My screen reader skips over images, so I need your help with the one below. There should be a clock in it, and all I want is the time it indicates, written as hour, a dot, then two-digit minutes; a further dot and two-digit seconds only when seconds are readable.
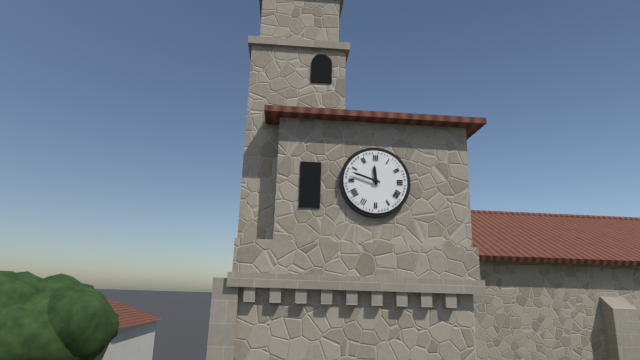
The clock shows 11.48
